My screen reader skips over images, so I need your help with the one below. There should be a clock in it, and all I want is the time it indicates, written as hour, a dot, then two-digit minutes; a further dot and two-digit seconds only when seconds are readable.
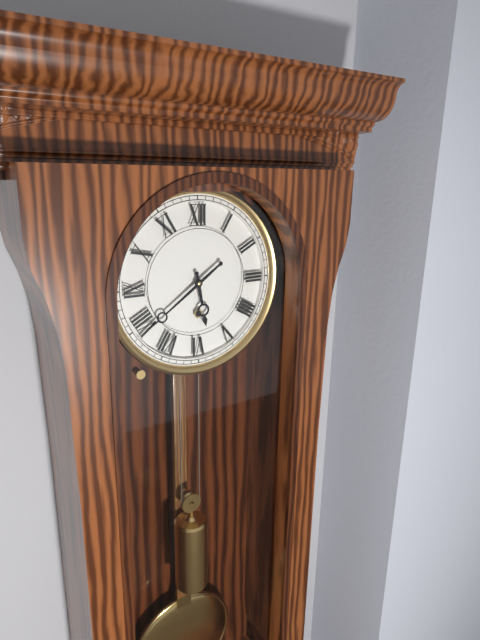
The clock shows 5.39
